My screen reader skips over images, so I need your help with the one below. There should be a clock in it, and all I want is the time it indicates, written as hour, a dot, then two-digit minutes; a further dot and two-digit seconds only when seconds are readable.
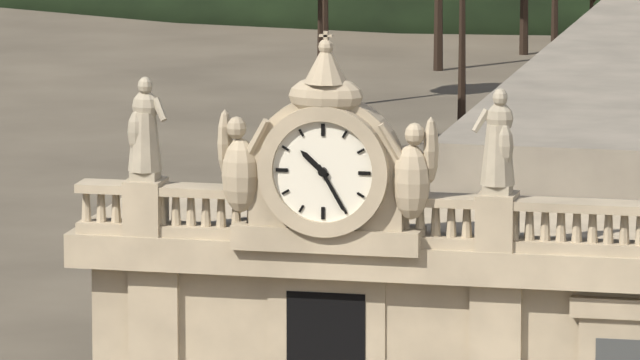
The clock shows 10.25
